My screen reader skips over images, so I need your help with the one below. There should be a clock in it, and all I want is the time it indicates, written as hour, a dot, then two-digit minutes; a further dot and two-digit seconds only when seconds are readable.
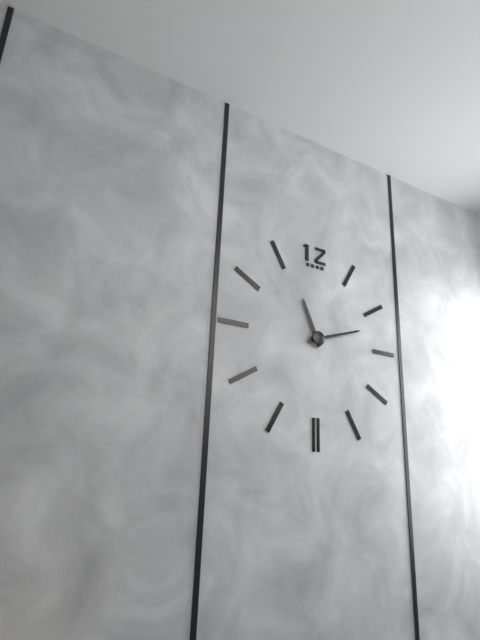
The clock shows 11.12
